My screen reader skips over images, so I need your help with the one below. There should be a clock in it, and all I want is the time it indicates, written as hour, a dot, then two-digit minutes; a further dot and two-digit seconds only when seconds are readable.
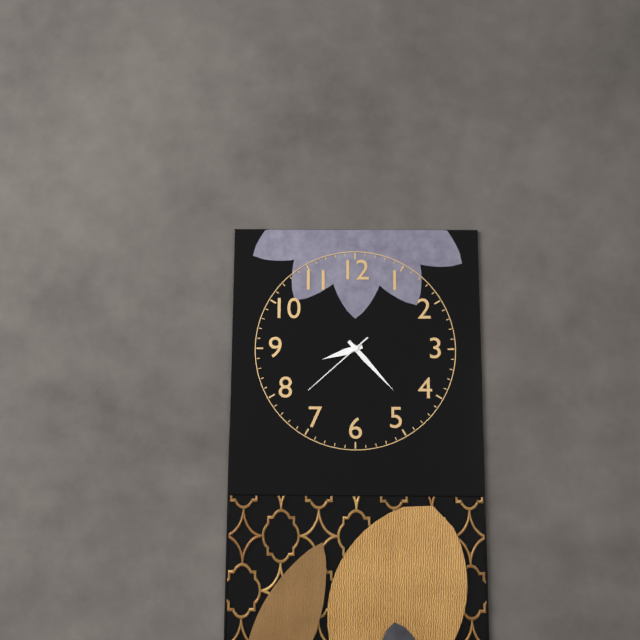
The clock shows 8.23.38
